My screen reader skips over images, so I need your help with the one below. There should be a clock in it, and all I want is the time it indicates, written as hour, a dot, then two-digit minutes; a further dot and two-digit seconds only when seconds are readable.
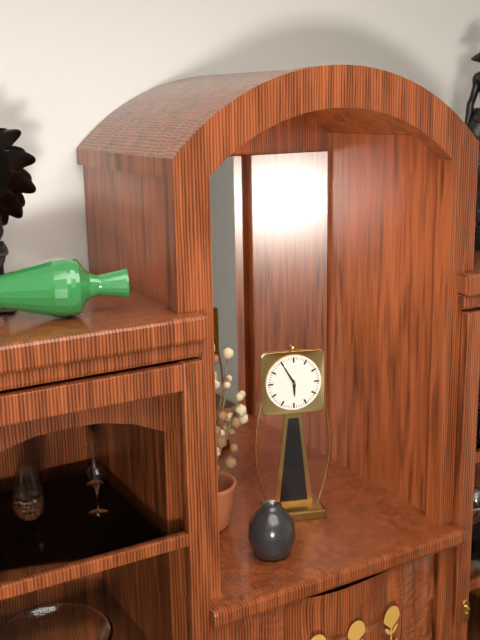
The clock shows 5.55
